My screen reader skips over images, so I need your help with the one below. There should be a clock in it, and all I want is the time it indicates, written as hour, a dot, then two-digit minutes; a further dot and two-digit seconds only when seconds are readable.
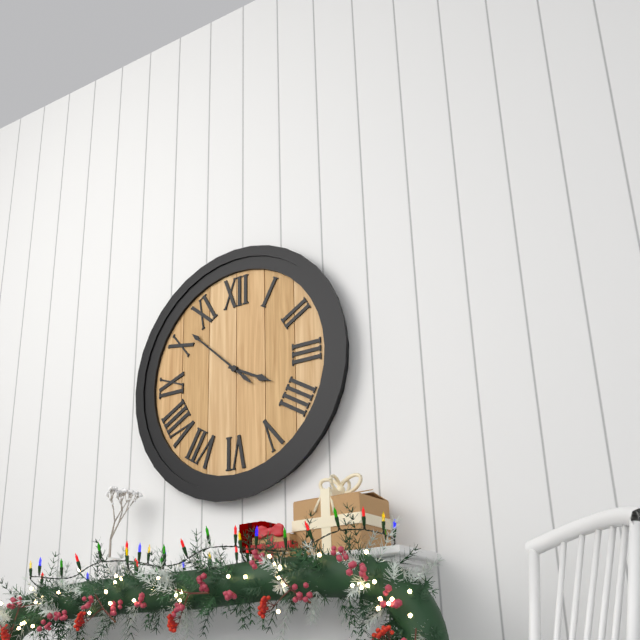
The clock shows 3.52
